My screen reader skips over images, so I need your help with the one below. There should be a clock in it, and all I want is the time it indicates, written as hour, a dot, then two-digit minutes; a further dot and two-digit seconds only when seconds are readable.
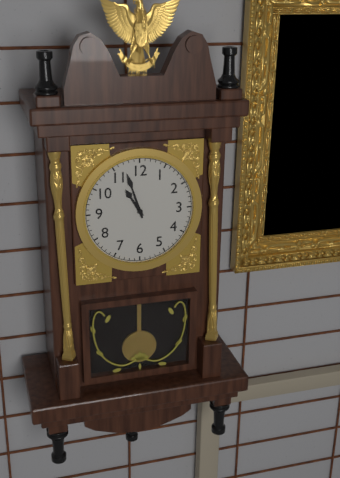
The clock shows 10.57
